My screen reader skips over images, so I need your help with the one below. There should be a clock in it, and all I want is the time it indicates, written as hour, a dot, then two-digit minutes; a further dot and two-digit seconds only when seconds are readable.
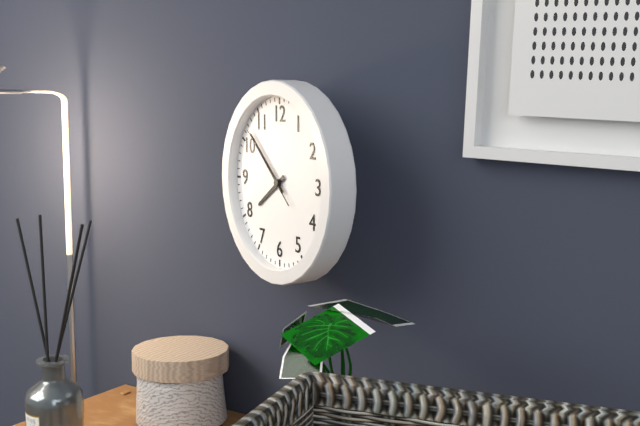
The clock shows 7.52.52
